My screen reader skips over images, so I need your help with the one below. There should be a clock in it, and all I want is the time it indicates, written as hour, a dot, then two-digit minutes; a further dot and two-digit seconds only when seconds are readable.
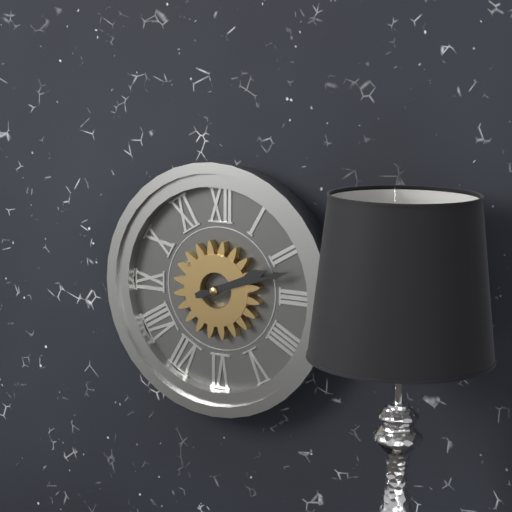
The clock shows 2.12
